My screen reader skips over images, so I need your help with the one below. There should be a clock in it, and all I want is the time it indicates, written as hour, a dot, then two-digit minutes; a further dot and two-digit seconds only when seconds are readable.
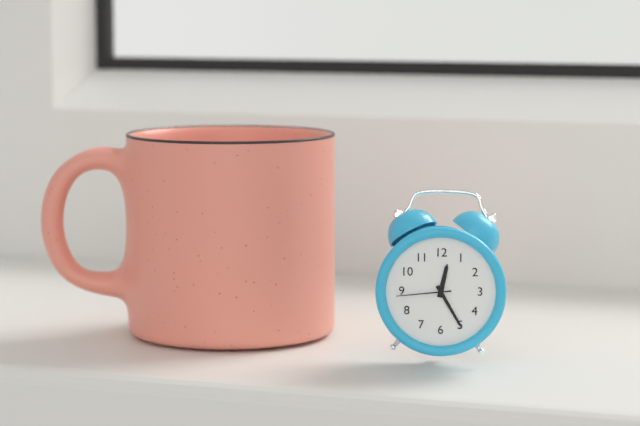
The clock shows 12.25.44
